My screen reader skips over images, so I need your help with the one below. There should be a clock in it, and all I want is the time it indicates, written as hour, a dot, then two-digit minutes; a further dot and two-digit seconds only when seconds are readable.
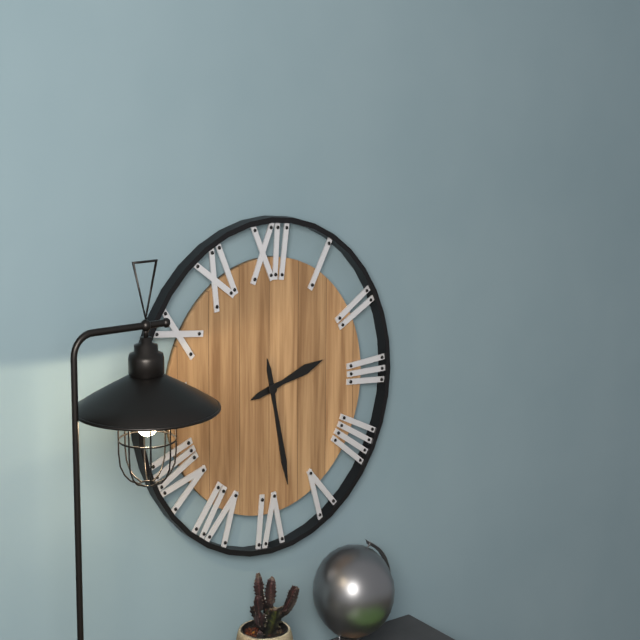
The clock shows 2.28
